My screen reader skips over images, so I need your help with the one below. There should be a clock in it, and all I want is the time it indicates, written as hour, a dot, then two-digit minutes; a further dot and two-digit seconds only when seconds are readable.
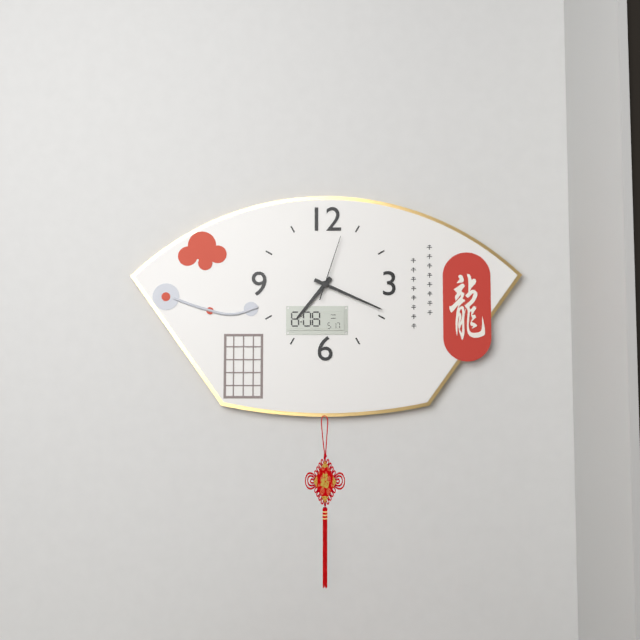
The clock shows 7.19.03
